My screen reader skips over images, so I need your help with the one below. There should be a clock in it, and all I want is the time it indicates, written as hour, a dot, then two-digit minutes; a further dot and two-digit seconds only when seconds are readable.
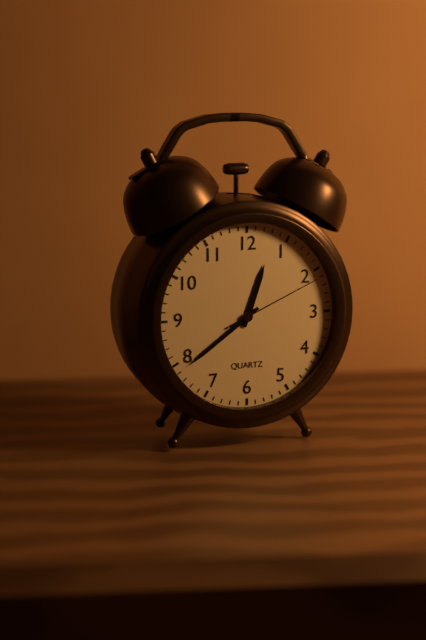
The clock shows 12.39.11
